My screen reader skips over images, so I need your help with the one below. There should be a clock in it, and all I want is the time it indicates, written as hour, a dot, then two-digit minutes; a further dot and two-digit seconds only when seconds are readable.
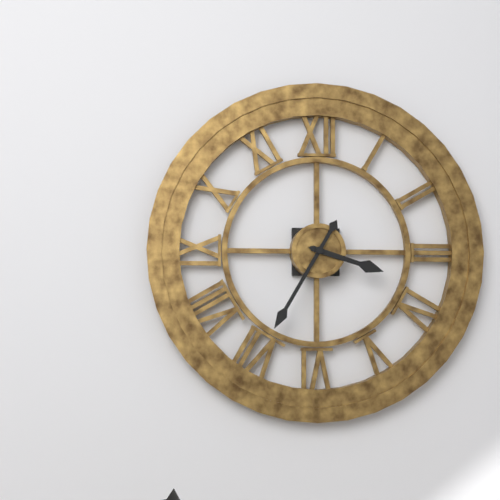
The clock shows 3.35
